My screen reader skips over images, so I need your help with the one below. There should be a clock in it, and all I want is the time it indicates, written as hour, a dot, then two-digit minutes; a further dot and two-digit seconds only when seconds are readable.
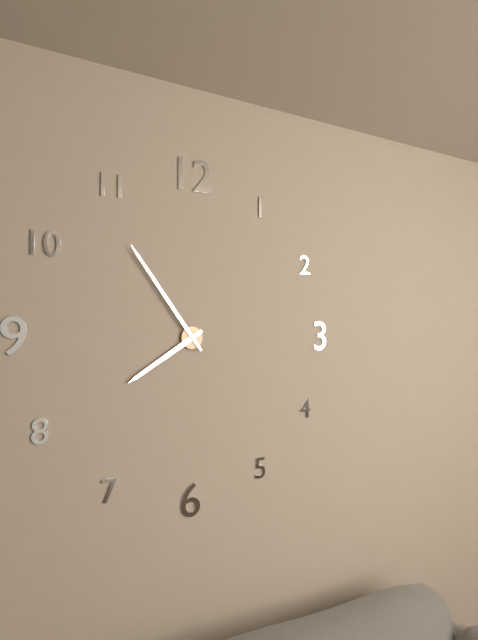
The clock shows 7.54
